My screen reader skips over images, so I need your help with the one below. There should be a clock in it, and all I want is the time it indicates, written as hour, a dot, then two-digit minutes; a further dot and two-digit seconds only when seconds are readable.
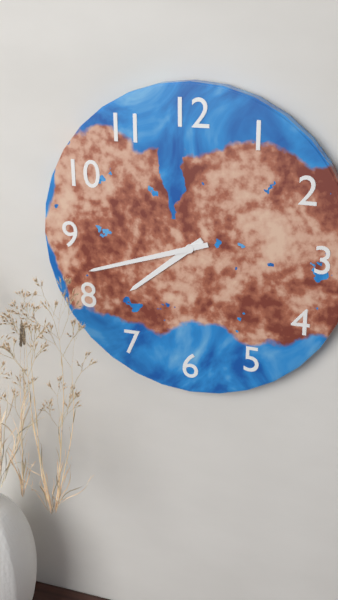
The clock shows 7.42
